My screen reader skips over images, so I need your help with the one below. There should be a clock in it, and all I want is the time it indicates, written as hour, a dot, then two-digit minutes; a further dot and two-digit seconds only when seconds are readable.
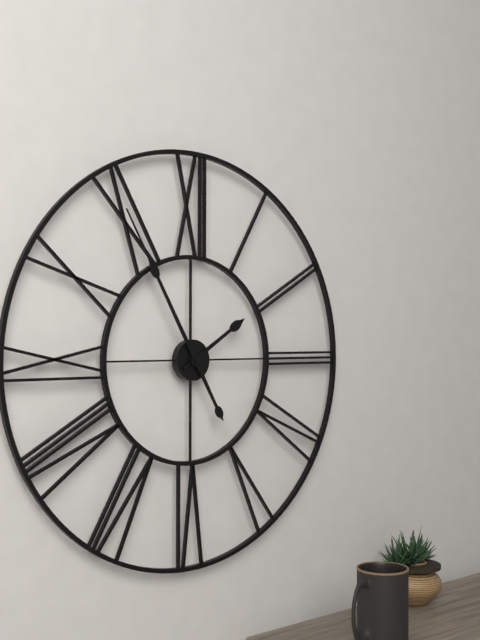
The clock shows 1.55
